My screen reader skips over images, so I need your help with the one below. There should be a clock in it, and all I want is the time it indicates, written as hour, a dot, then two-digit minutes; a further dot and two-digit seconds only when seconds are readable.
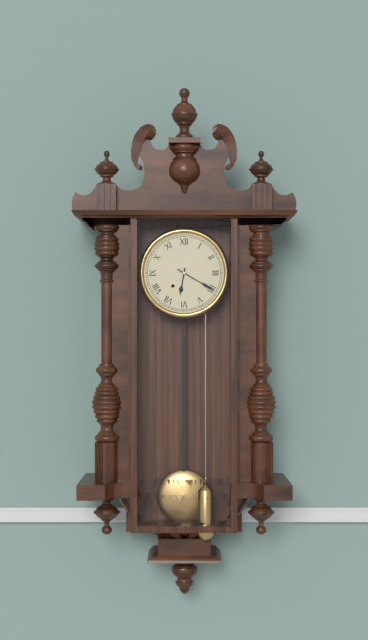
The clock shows 6.20
